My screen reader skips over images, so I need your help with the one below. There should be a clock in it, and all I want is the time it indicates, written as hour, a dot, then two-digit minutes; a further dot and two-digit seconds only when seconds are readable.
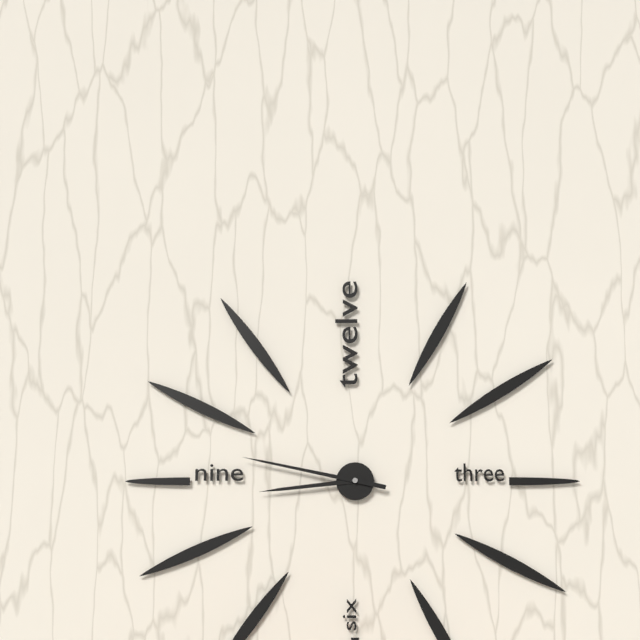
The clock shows 8.47
